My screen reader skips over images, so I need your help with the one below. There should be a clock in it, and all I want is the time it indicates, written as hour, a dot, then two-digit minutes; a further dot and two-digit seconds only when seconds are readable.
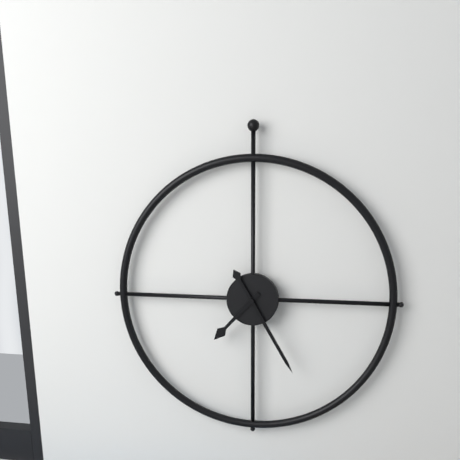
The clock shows 7.25
